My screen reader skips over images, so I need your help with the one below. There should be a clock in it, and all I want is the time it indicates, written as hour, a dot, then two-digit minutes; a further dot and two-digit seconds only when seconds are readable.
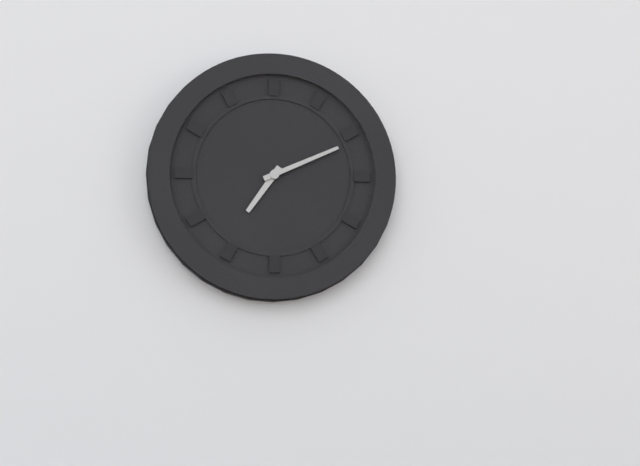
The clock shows 7.11
